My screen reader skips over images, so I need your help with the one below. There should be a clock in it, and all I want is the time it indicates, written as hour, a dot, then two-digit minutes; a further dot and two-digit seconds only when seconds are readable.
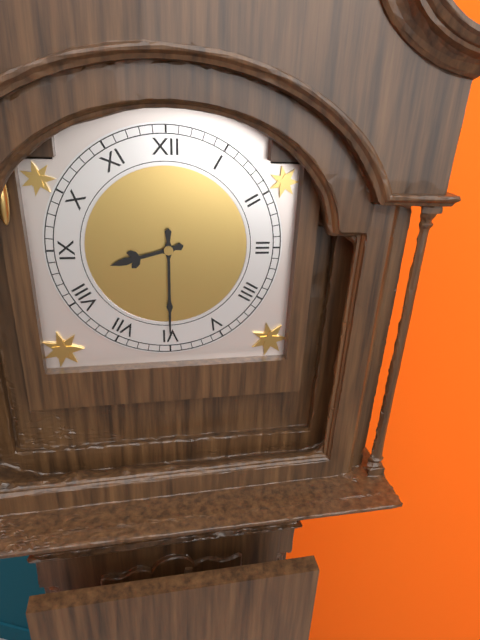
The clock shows 8.30
